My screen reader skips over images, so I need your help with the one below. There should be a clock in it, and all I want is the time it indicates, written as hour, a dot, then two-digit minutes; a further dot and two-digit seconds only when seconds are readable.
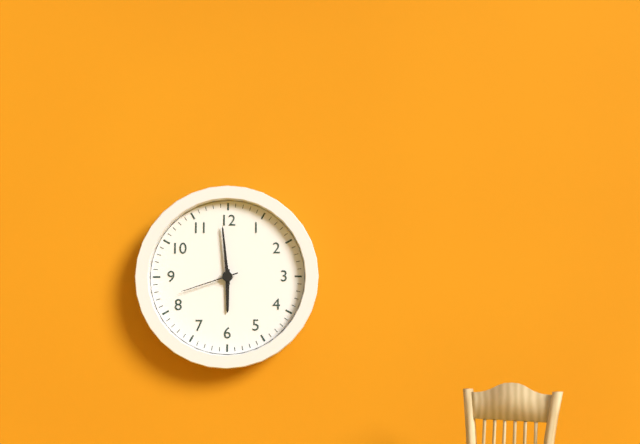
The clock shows 5.59.42
